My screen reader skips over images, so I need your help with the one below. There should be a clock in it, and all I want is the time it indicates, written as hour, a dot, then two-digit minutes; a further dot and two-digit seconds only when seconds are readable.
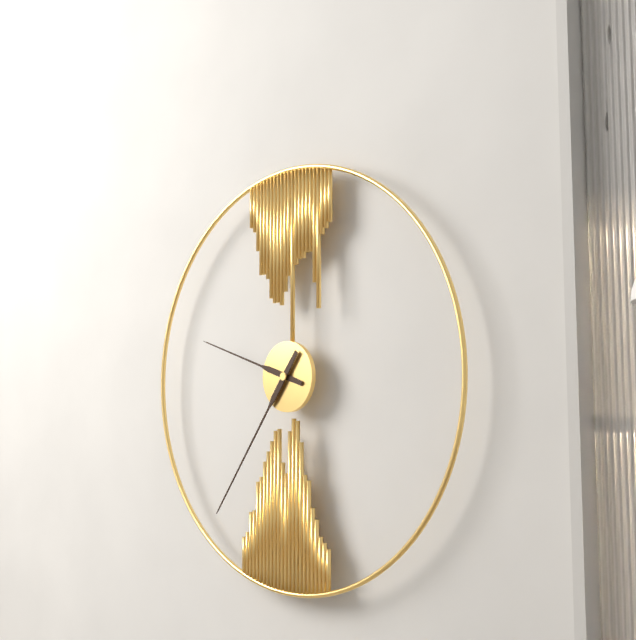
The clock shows 9.36
